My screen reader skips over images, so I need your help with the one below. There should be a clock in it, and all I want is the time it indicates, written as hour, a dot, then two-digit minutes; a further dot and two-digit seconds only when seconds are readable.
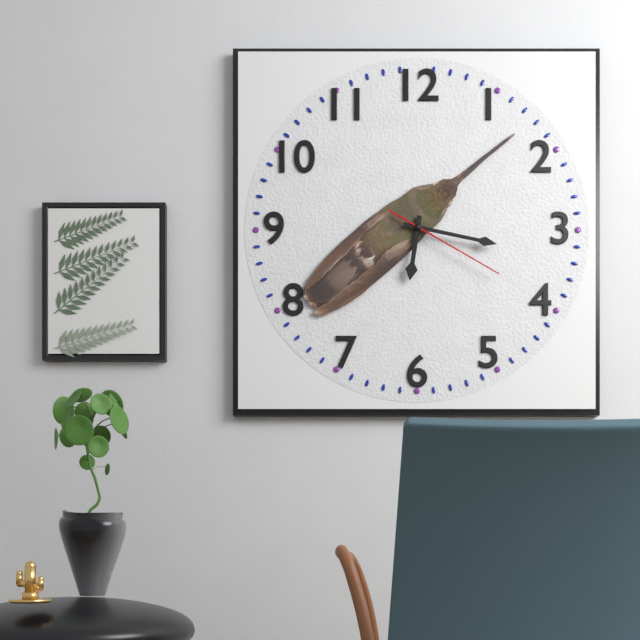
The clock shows 6.17.20
